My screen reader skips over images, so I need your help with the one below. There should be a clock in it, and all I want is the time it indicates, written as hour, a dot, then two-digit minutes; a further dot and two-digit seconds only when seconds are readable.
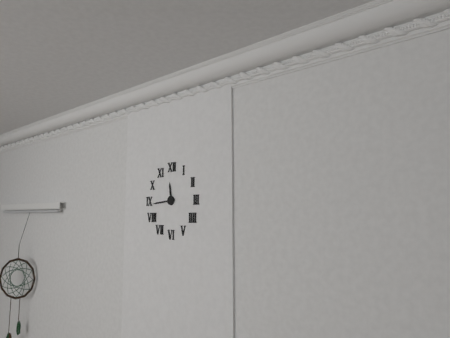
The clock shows 11.44
